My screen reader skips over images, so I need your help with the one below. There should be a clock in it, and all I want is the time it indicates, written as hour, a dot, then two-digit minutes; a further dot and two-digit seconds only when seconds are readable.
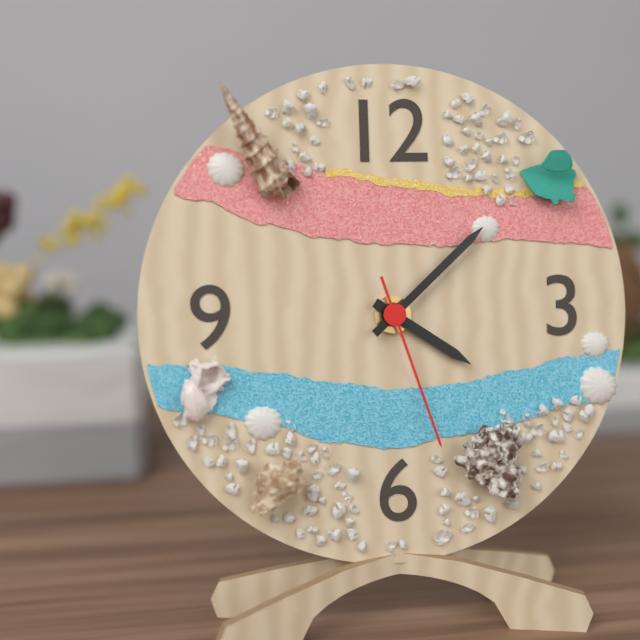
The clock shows 4.08.27
